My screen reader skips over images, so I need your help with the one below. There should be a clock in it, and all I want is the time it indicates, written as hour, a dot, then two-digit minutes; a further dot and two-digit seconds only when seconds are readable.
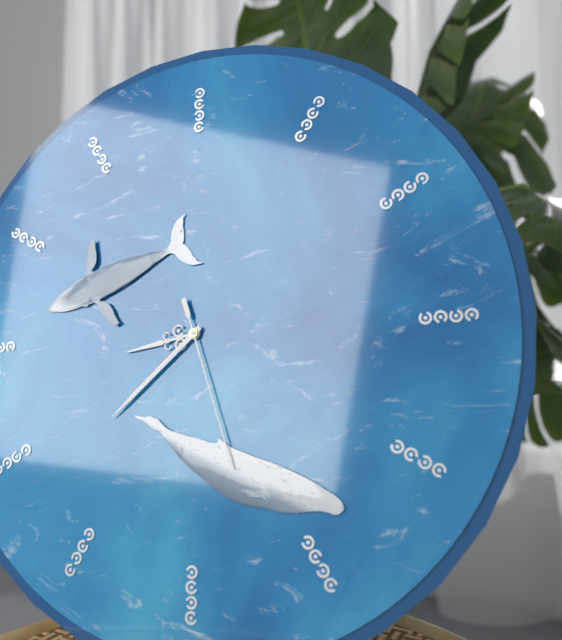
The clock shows 8.38.27
